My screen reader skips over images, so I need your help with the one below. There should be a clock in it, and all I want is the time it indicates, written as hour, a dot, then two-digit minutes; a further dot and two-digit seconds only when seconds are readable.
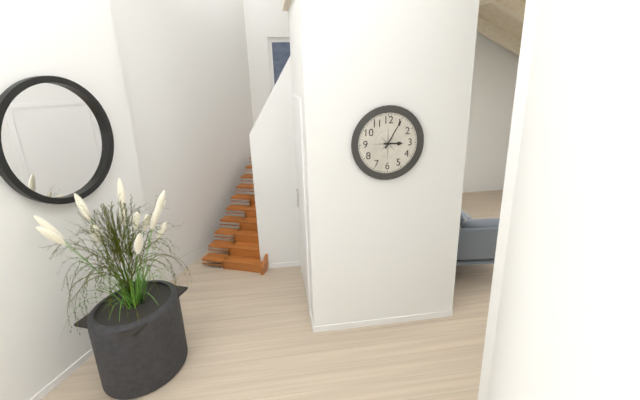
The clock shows 3.05
